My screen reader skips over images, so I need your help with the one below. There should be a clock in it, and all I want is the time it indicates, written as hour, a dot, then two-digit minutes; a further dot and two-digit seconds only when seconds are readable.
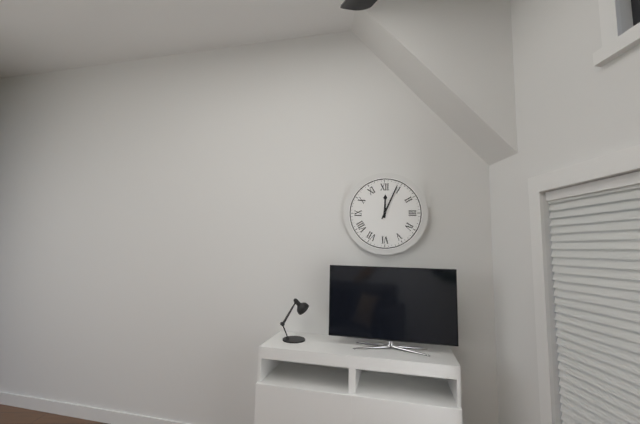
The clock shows 12.04
